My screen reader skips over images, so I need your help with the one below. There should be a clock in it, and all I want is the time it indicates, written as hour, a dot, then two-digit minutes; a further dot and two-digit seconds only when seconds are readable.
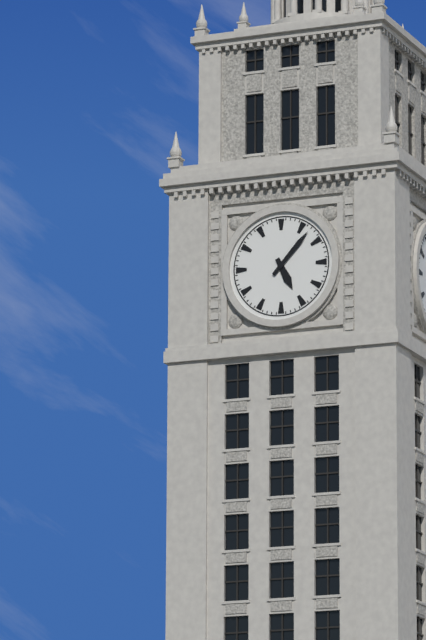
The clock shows 5.07
